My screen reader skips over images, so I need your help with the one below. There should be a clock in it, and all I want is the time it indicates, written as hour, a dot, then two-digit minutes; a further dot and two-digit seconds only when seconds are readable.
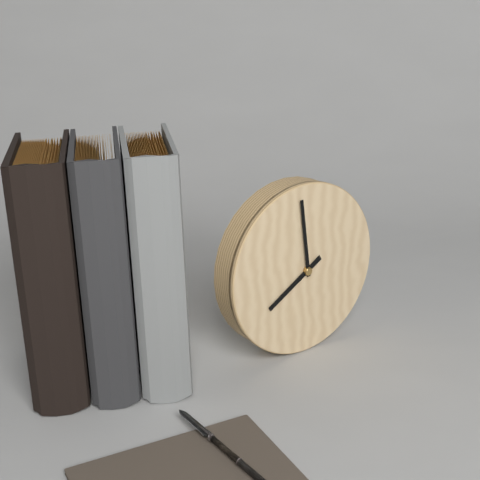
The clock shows 7.59
